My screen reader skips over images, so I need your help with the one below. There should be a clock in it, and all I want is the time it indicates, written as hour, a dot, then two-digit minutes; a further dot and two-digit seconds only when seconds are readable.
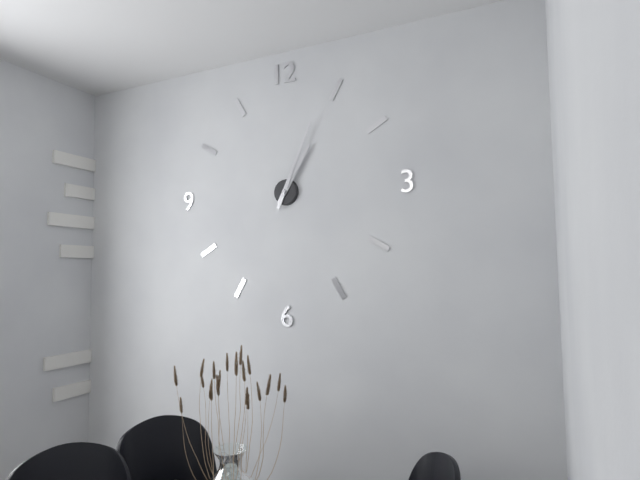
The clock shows 1.04
